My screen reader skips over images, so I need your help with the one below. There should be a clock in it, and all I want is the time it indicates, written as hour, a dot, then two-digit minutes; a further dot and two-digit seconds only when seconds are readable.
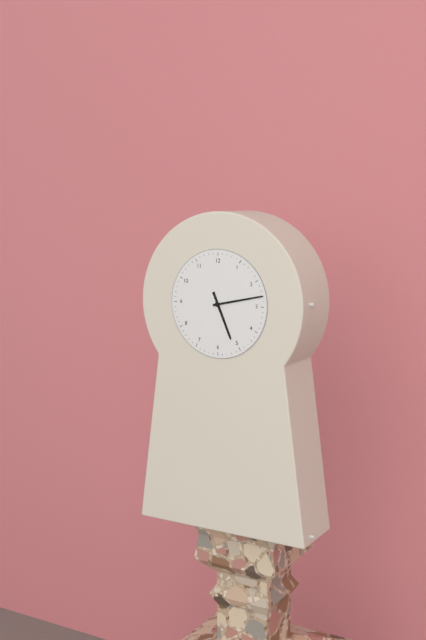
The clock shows 5.13
